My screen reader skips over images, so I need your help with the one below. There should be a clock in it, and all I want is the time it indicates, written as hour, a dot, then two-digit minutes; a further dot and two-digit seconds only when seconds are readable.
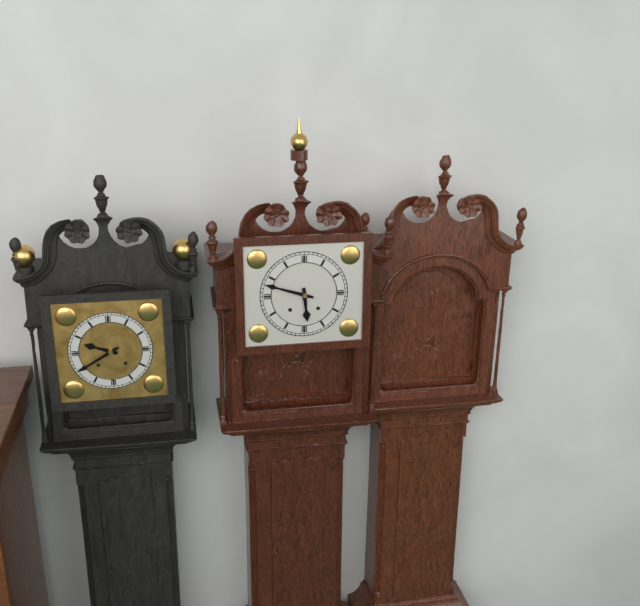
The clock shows 5.48
